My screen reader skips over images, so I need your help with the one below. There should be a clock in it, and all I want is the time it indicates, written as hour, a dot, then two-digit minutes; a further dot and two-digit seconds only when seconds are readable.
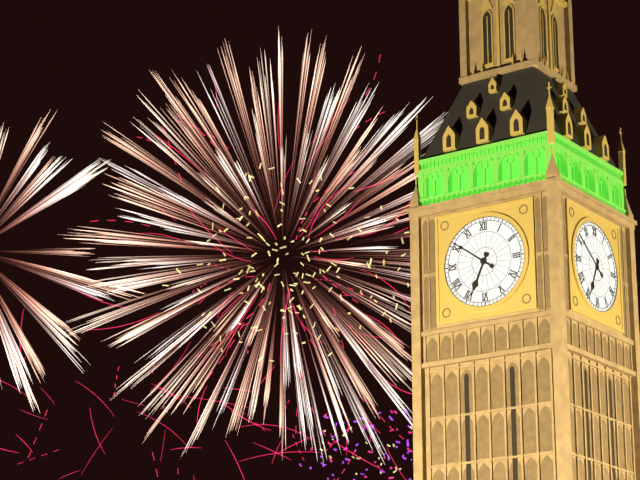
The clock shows 6.51
